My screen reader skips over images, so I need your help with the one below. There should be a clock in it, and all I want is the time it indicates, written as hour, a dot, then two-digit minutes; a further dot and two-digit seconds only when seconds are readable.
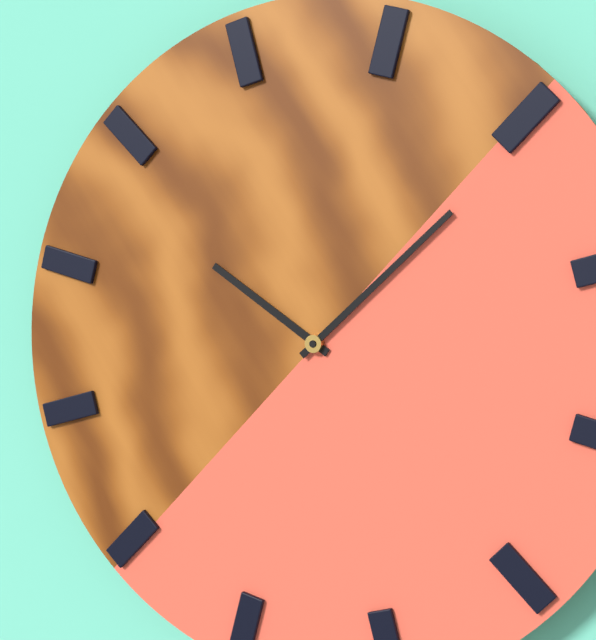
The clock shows 10.08
